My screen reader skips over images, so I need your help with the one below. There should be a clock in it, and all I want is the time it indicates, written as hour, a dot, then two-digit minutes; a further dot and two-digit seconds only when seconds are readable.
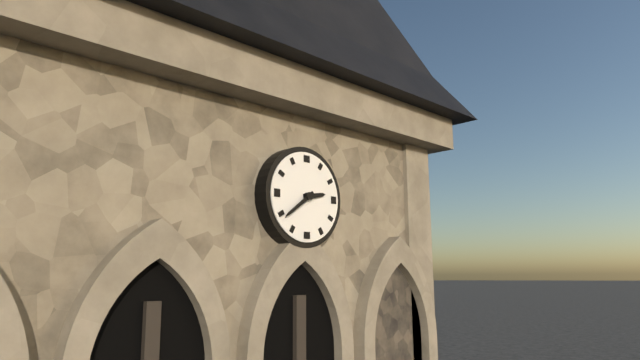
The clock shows 2.39
